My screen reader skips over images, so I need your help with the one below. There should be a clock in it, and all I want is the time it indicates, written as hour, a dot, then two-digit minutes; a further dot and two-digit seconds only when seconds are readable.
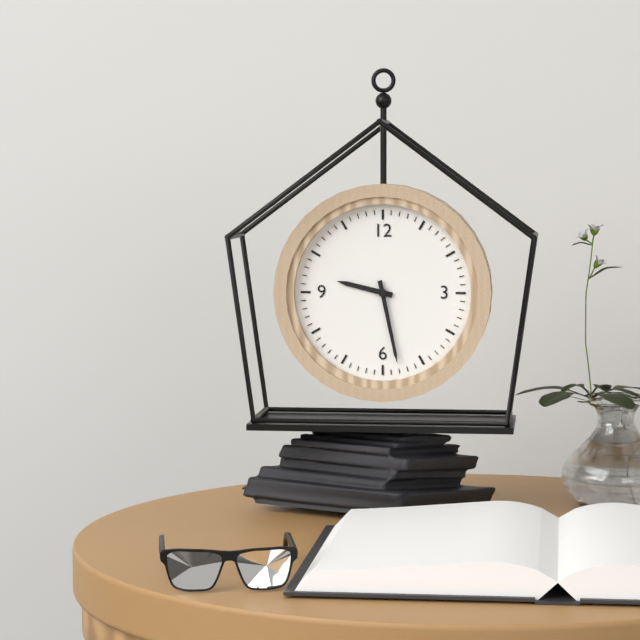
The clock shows 9.28
